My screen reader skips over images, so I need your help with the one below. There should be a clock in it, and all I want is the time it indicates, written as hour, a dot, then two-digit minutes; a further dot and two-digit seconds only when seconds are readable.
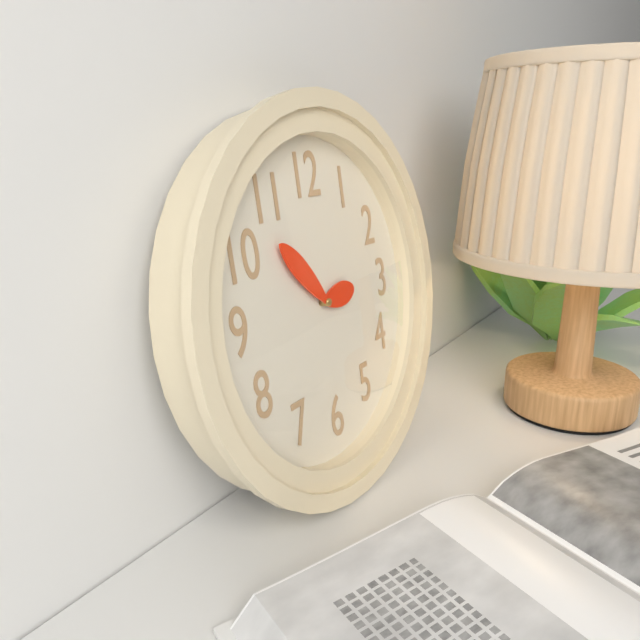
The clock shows 2.53
